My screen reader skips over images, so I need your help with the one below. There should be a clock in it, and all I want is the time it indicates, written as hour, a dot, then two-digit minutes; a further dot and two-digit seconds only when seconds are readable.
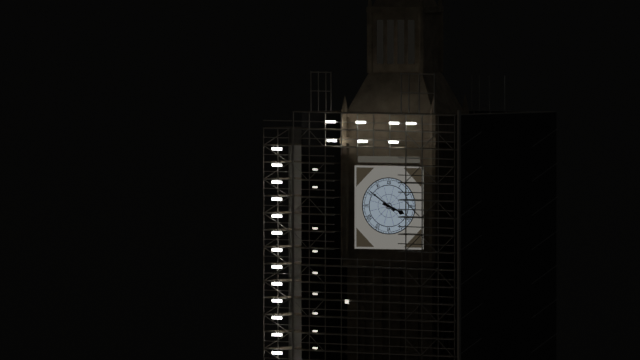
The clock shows 3.51
